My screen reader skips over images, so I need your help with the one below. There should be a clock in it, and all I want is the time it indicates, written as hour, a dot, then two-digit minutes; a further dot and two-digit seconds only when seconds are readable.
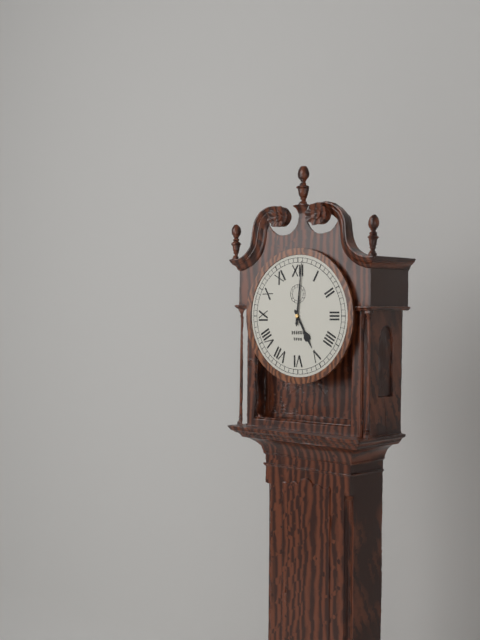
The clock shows 5.01
